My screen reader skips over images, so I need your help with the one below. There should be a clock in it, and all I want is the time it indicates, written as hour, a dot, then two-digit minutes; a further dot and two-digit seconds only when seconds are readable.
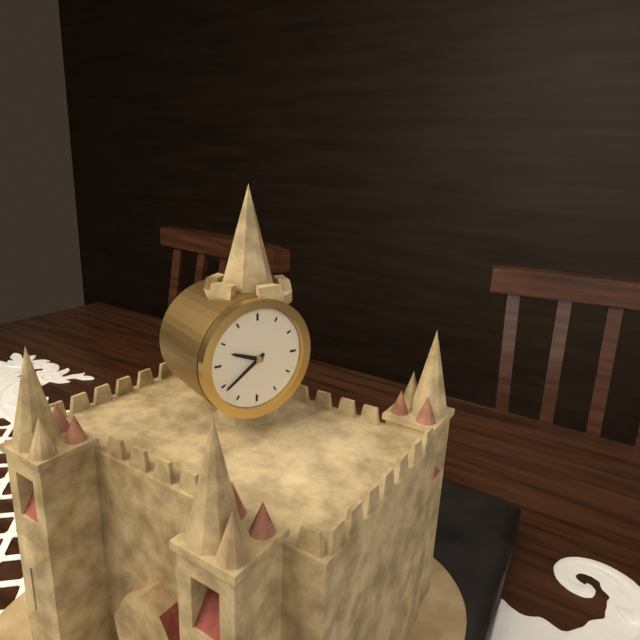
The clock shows 9.39
